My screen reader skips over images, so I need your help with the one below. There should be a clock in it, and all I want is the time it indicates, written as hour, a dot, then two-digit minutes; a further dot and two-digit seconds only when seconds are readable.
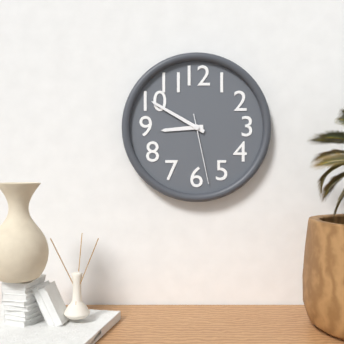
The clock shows 8.50.28
